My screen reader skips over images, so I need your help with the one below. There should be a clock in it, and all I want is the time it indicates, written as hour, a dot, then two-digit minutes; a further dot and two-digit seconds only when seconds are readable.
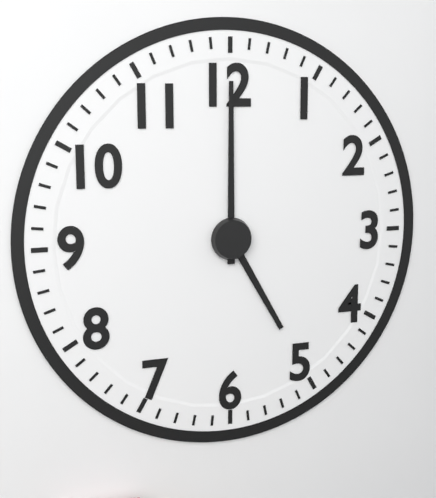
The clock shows 5.00
